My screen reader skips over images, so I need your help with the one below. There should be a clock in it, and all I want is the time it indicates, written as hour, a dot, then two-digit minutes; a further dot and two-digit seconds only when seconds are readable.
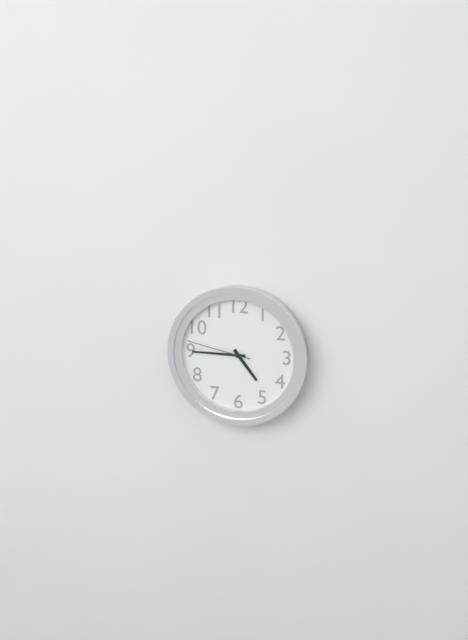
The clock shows 4.45.47
